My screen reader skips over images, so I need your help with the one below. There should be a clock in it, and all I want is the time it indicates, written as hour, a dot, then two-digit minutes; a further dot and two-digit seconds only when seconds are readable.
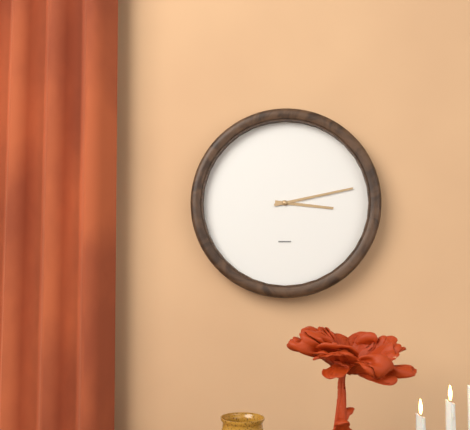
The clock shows 3.13
